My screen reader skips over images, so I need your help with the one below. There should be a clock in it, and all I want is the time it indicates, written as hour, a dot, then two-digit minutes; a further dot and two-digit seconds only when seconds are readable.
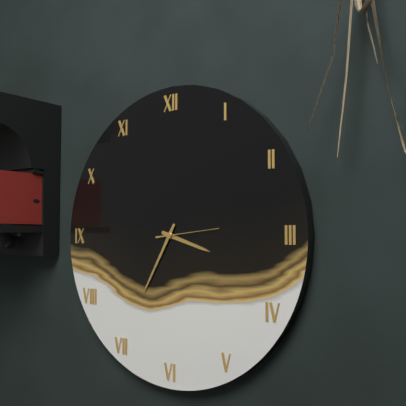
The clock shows 3.35.14
